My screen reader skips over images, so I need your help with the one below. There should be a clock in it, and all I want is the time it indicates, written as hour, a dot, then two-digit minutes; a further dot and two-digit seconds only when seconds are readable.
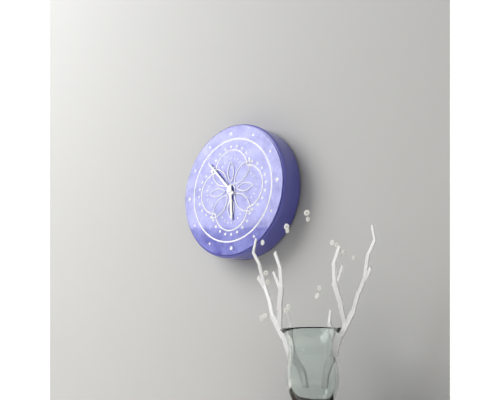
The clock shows 5.53
